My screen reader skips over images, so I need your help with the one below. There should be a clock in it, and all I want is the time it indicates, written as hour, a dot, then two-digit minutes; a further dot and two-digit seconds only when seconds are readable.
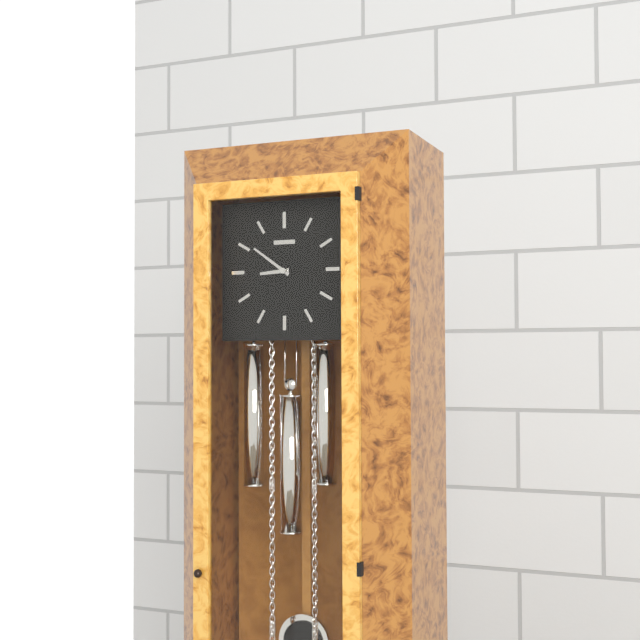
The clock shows 8.51
